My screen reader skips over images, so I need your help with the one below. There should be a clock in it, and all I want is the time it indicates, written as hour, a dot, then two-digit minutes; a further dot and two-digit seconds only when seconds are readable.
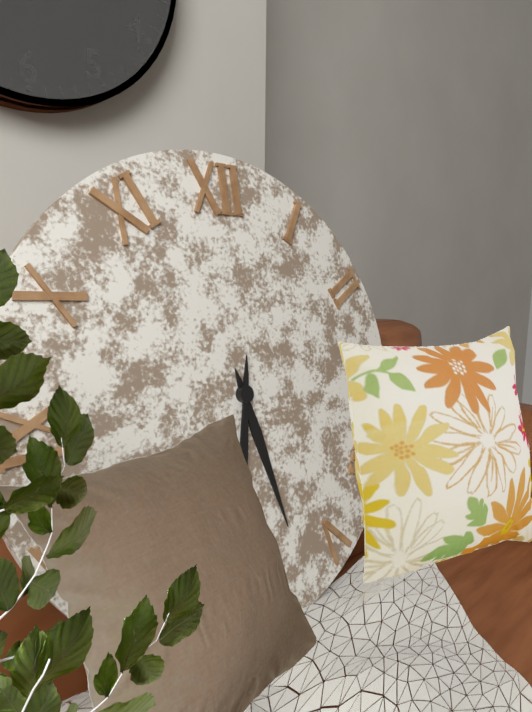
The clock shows 5.32
